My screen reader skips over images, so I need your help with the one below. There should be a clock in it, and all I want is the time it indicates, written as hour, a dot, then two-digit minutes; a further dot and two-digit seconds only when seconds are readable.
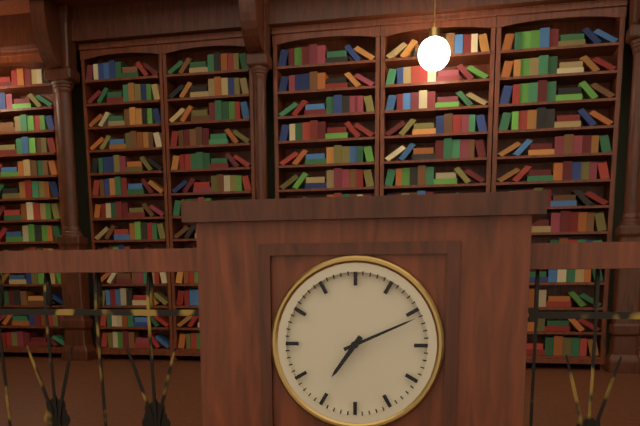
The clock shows 7.11
